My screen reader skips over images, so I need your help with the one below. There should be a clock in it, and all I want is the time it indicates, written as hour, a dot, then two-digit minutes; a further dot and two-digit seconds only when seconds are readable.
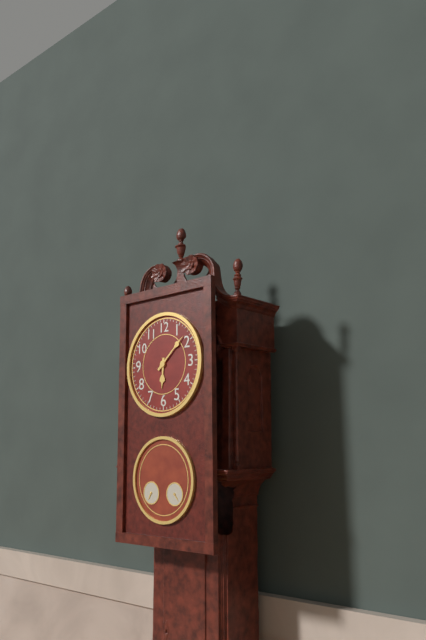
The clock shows 6.08
